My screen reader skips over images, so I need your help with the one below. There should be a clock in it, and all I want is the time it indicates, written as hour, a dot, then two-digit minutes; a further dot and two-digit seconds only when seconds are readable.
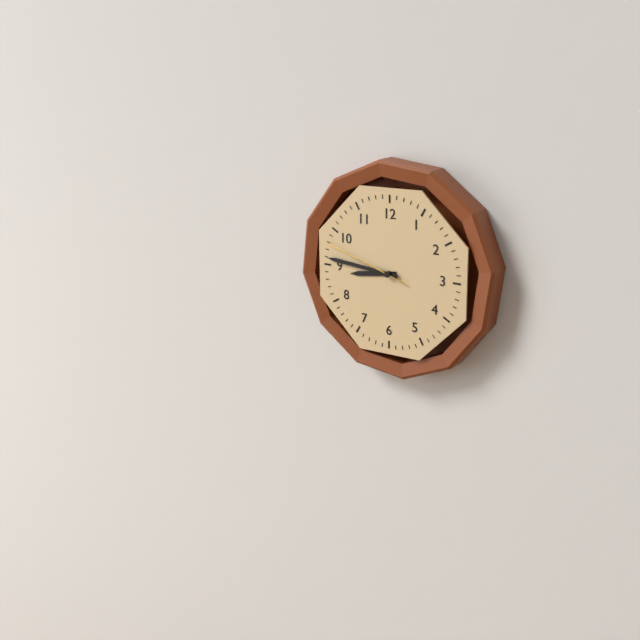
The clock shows 8.46.48
